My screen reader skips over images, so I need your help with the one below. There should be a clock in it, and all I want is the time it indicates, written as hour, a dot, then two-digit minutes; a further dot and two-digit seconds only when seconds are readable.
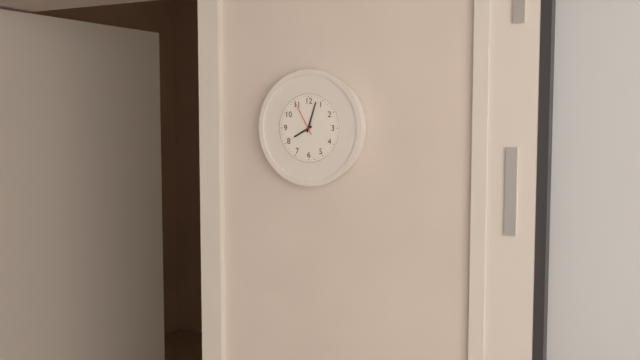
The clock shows 8.03
